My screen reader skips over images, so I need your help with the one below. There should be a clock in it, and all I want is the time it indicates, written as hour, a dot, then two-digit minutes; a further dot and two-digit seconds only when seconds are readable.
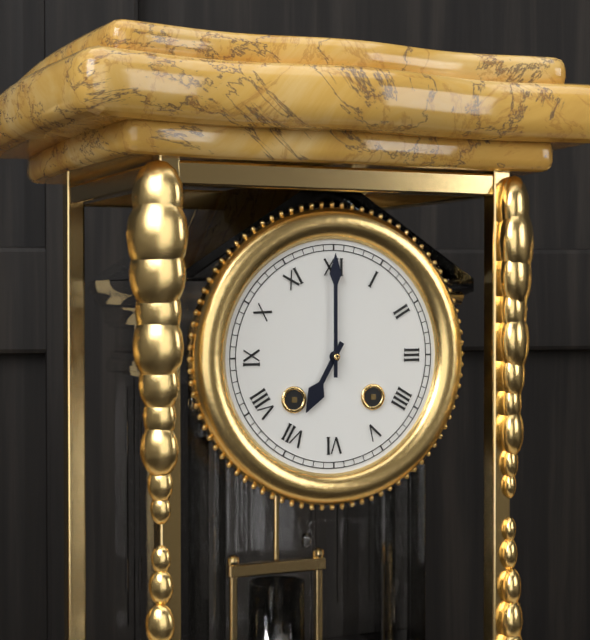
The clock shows 7.00
